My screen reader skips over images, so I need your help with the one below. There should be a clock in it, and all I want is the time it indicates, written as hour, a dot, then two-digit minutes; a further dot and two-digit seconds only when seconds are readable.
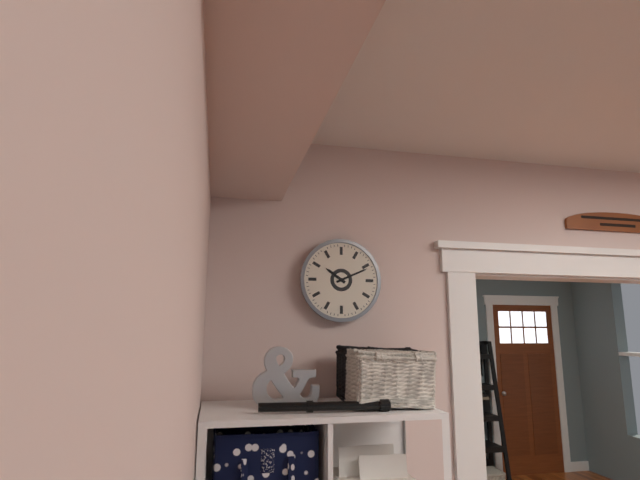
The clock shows 10.11
